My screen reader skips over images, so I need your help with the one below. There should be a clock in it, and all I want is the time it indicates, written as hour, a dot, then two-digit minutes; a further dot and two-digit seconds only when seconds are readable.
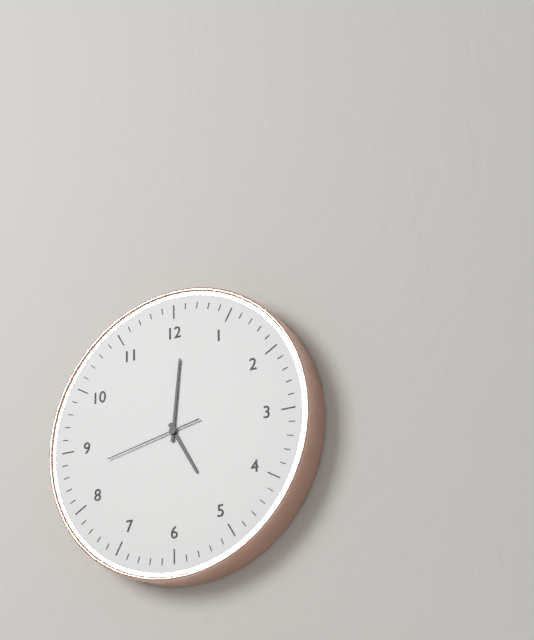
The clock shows 5.01.43
